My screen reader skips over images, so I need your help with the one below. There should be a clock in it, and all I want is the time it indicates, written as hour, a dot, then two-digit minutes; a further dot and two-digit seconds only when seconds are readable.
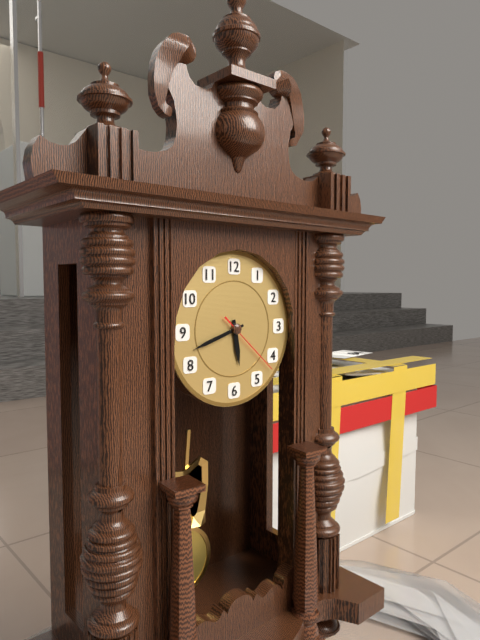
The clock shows 5.42.22
